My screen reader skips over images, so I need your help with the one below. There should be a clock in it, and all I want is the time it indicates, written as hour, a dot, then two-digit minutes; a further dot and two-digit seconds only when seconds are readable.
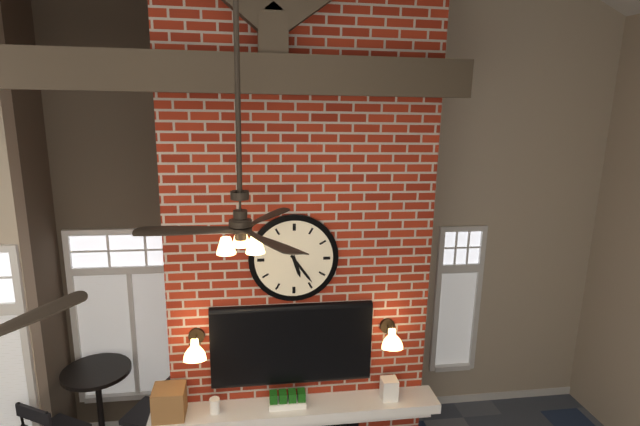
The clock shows 5.24
